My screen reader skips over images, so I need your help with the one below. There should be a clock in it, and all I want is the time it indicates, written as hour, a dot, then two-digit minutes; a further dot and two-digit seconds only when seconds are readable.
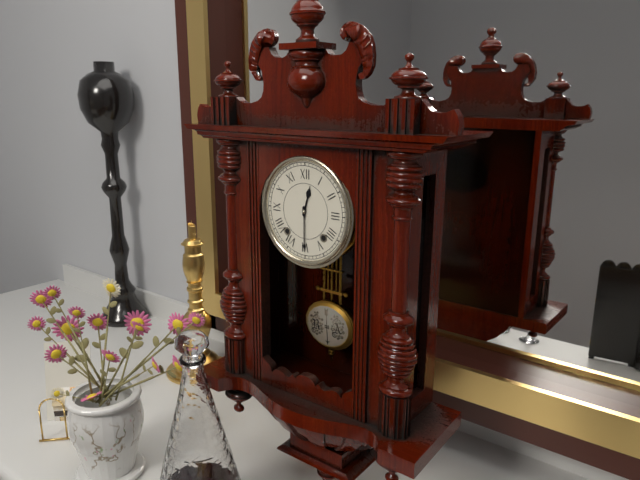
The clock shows 12.30
